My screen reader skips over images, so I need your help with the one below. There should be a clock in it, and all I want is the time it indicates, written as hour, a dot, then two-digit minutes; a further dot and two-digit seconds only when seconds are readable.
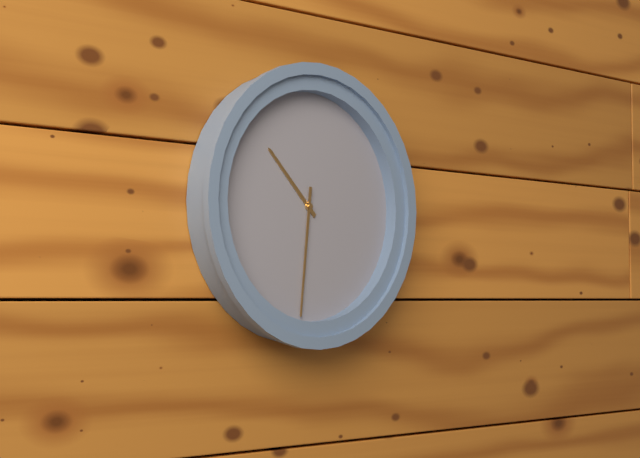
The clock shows 10.31
